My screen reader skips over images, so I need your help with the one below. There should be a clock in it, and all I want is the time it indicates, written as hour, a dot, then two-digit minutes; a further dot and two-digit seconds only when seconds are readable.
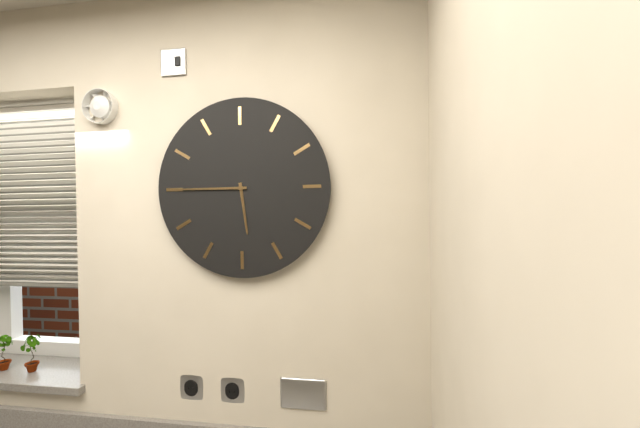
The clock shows 5.45
